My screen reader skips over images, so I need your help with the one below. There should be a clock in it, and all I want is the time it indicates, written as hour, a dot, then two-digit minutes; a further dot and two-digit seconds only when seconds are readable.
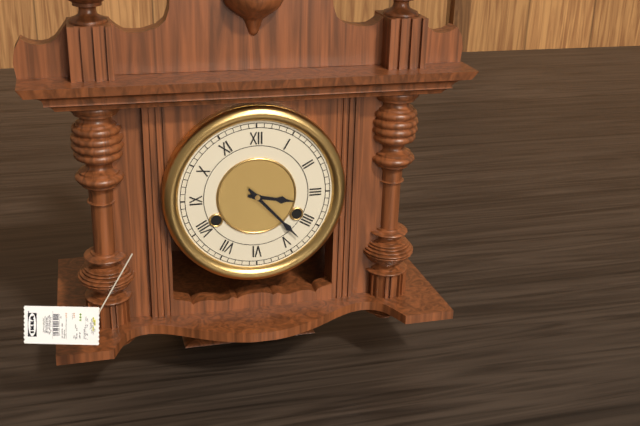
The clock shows 3.23
